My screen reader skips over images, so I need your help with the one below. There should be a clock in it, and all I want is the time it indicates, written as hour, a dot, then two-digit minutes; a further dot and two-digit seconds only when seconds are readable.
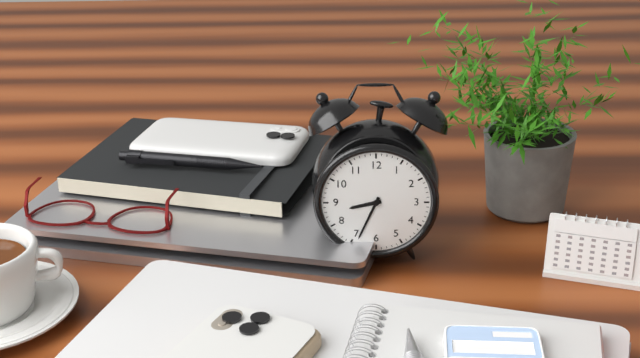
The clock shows 8.34
